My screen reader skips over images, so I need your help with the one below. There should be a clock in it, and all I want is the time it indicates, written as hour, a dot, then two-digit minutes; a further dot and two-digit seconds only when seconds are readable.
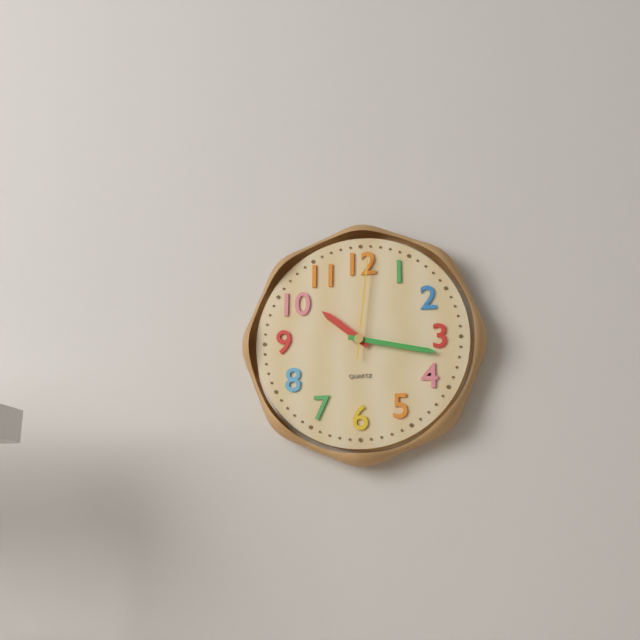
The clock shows 10.17.01
